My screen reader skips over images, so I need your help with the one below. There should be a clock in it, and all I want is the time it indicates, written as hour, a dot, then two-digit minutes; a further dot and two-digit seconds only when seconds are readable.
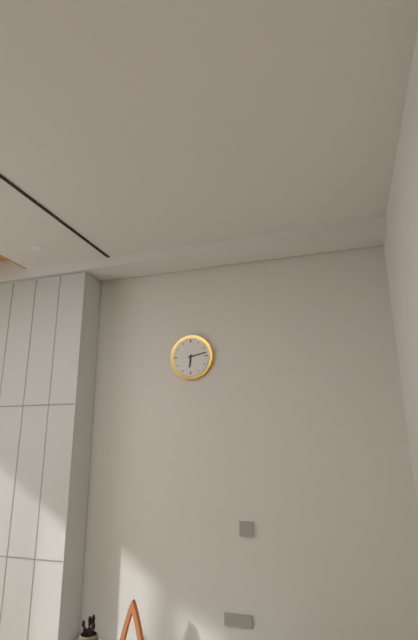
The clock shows 6.13
